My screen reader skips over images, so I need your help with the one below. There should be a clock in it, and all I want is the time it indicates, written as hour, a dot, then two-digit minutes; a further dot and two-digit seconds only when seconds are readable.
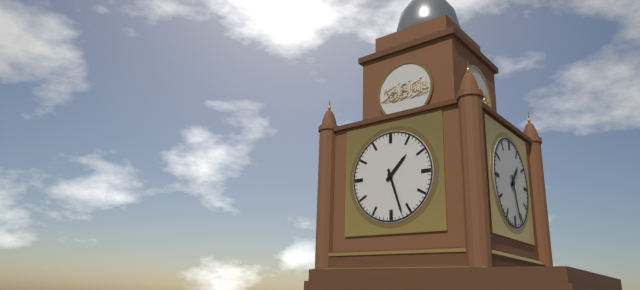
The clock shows 1.27
